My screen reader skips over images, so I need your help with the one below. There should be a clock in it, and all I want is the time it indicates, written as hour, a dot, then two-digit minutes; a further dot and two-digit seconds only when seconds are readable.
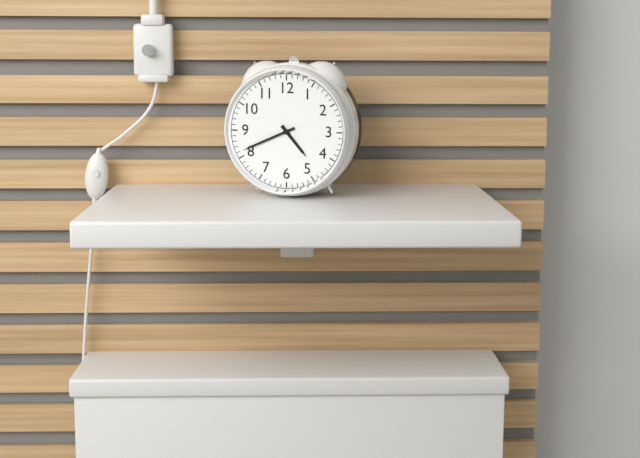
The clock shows 4.41
